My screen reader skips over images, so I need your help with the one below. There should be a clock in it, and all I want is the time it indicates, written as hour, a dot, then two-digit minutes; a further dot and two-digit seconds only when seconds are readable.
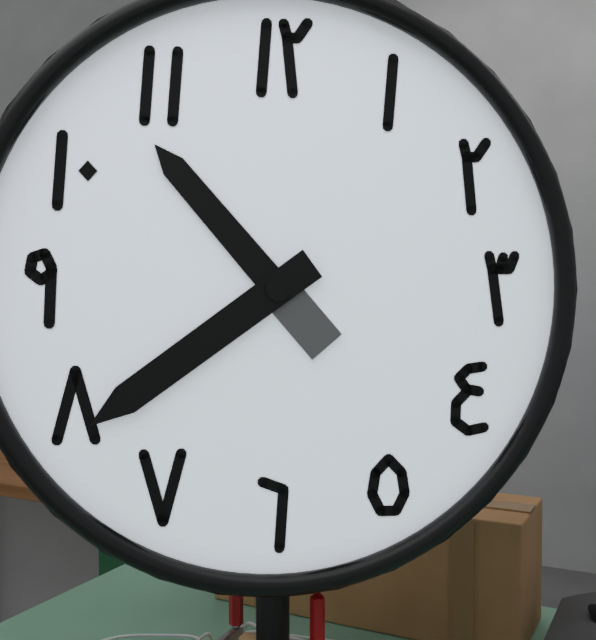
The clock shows 10.39
